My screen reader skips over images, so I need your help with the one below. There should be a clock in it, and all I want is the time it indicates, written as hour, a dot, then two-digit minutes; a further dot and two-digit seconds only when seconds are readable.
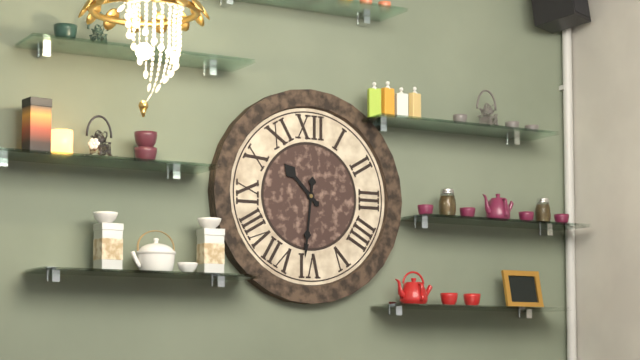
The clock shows 10.31
